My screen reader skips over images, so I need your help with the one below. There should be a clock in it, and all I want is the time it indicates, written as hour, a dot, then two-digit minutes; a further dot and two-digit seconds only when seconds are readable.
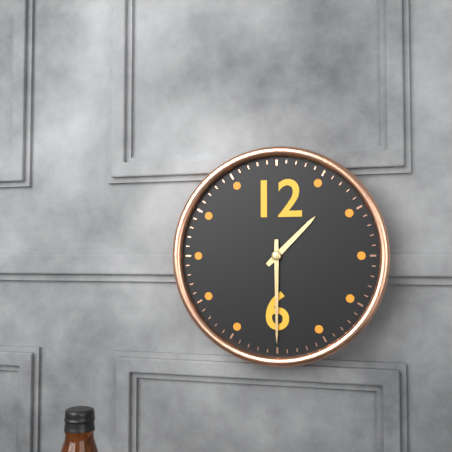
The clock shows 1.30
